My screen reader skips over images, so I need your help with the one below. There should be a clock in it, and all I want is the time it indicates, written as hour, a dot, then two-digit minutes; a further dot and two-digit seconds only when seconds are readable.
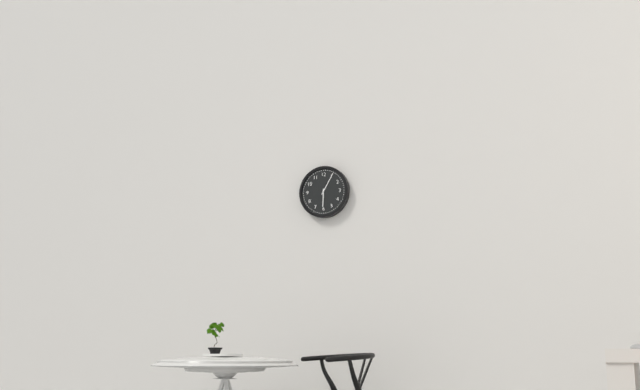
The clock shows 6.05
